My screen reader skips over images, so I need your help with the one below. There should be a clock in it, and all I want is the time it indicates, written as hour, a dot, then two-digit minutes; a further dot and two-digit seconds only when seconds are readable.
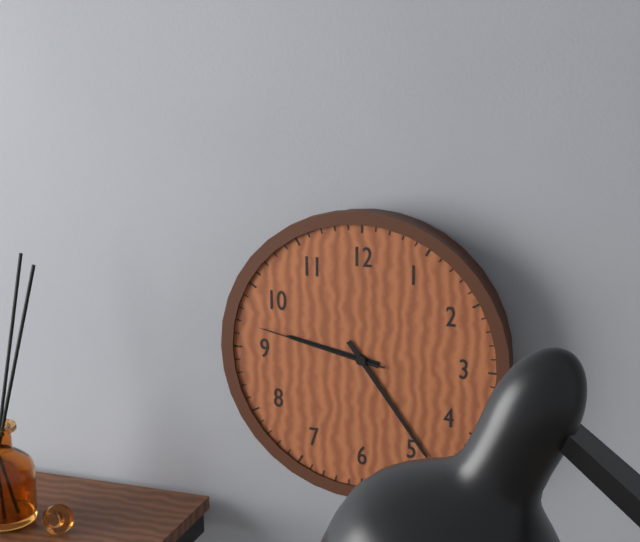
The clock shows 9.24.47
